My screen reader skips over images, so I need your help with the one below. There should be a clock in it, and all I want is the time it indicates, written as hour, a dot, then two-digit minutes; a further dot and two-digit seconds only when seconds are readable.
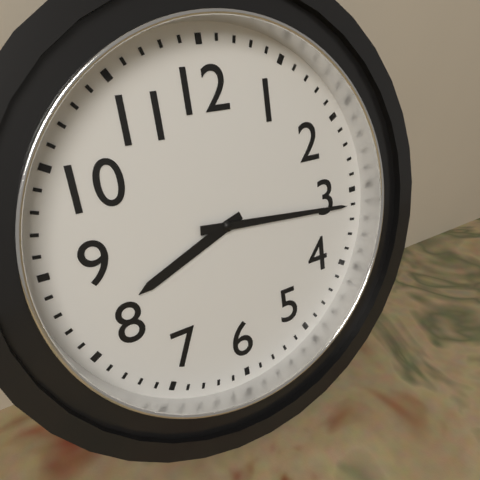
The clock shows 8.16
